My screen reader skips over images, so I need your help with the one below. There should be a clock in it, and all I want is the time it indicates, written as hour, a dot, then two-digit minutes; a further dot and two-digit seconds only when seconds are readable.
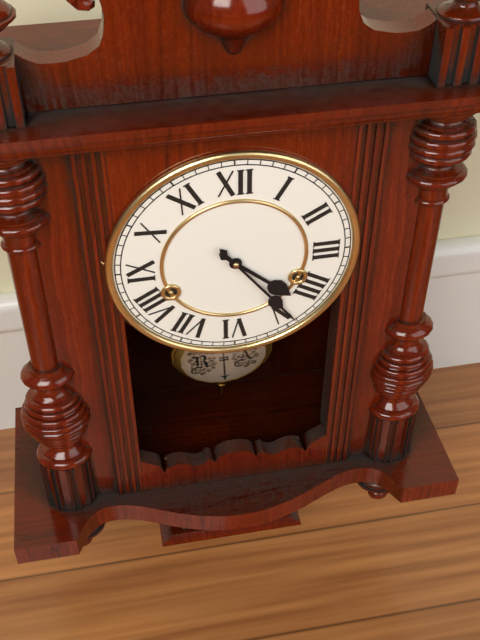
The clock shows 4.24
